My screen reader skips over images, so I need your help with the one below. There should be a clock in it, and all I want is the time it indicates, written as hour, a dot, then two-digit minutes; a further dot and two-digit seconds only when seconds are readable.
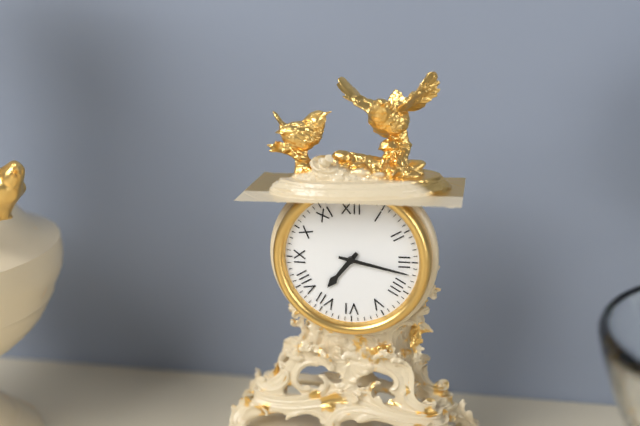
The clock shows 7.17
